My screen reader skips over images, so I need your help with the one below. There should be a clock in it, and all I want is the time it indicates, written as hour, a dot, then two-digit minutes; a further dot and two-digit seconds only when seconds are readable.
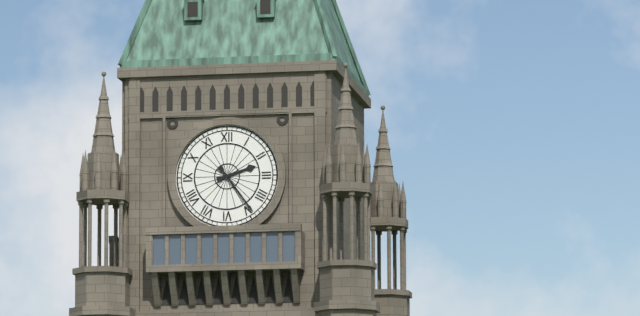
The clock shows 2.24
